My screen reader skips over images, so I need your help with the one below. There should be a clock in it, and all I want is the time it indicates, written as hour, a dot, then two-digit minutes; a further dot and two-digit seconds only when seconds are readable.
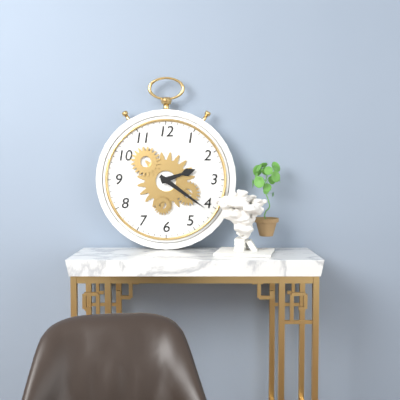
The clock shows 2.21
